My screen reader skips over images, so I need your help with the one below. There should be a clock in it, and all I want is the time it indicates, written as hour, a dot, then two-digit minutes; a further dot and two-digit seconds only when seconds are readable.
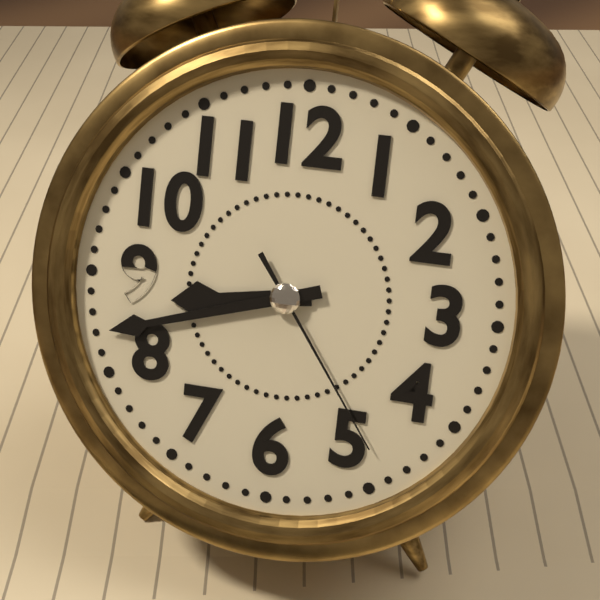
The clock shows 8.42.24
